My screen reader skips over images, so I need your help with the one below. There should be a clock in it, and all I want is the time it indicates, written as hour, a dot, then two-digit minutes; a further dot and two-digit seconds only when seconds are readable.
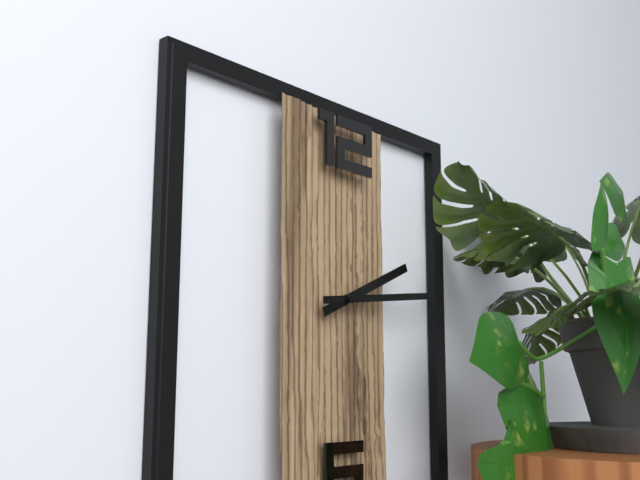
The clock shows 2.14
